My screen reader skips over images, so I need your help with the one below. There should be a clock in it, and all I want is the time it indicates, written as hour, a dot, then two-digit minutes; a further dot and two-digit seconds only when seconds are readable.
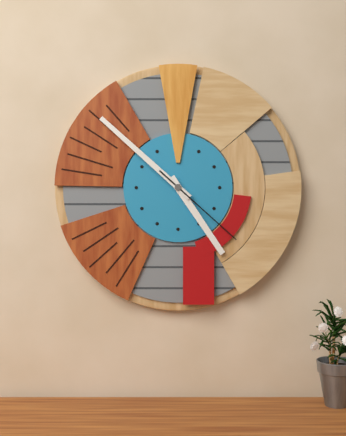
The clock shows 4.52.22
